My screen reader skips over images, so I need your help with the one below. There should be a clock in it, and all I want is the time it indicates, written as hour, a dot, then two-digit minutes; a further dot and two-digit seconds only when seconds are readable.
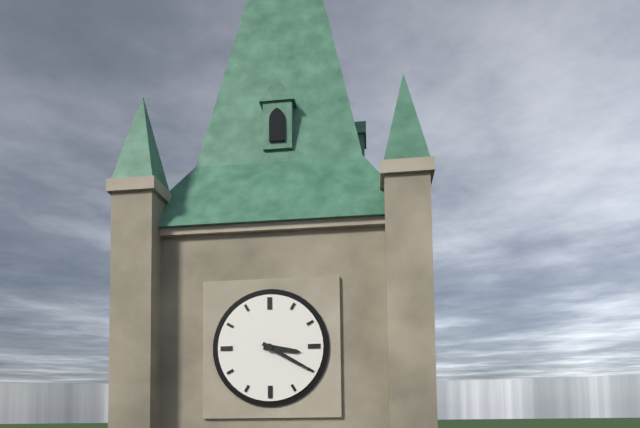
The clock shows 3.20
